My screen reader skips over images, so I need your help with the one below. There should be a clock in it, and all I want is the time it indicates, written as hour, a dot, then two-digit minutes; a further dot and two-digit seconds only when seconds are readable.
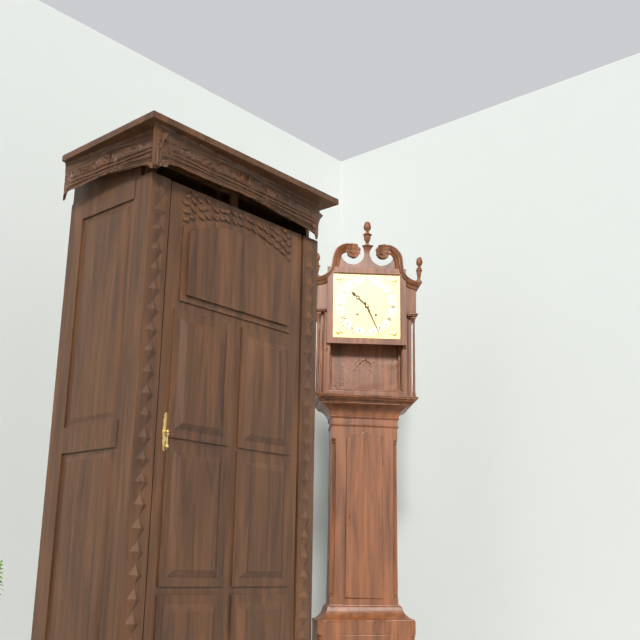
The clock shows 10.26
